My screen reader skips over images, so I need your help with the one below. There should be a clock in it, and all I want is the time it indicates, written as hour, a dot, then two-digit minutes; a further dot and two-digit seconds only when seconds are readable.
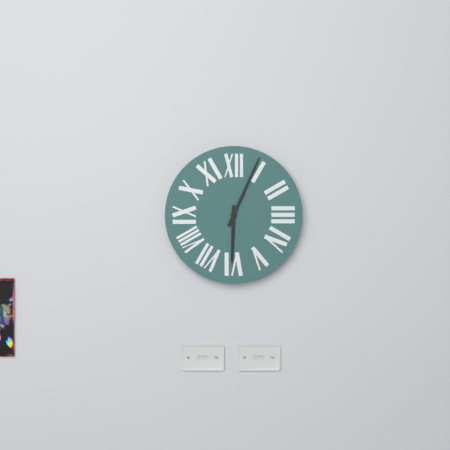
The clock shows 6.04
